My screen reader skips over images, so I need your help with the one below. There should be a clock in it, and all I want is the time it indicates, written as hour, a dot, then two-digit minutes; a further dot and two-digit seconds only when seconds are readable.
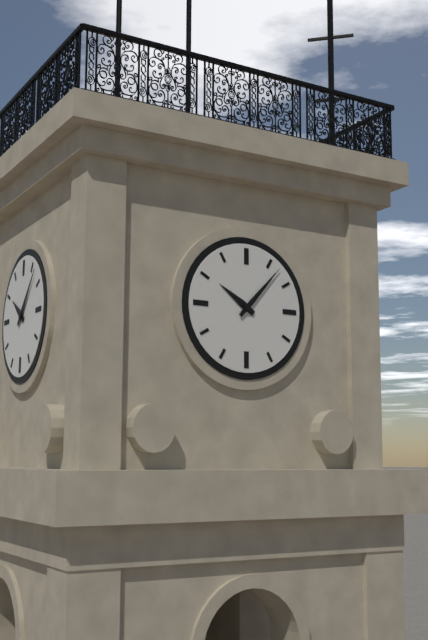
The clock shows 10.07
